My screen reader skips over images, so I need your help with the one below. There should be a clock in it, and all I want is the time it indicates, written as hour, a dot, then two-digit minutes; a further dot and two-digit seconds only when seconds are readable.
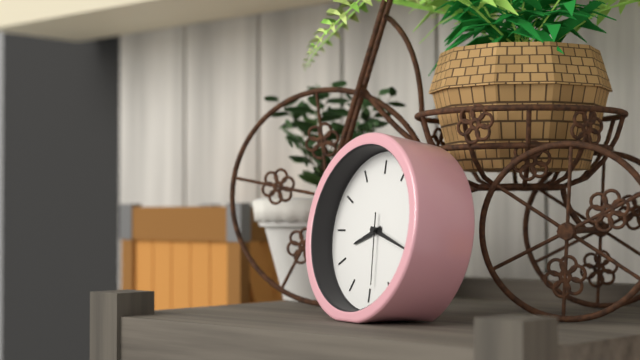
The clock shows 8.18.29
